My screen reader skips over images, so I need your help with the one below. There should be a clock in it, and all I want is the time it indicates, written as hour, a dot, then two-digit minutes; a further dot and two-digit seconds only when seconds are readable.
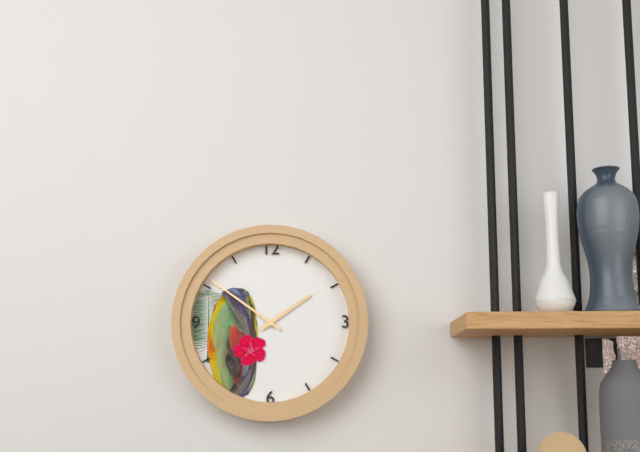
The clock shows 1.51
